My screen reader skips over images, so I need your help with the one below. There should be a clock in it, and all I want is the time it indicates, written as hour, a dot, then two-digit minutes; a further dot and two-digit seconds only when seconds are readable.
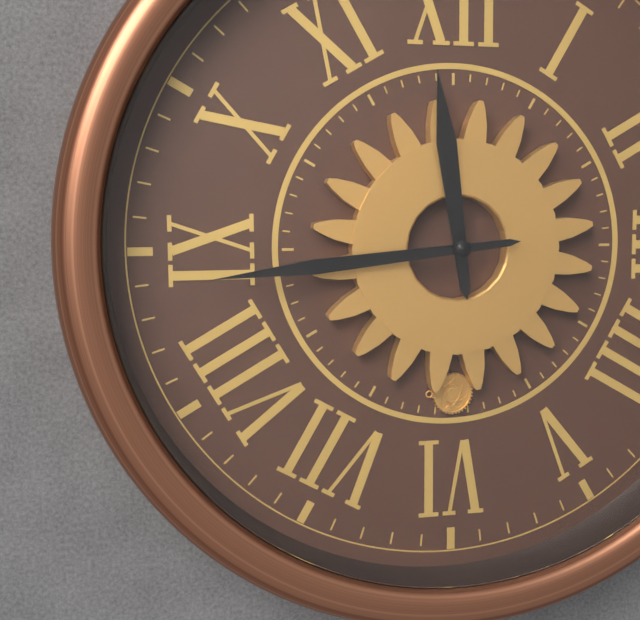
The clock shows 11.44
